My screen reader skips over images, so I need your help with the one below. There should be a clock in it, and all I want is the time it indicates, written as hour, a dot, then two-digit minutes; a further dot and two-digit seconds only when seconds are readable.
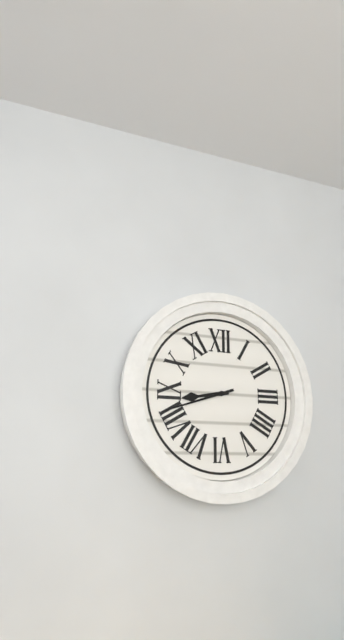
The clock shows 8.42
